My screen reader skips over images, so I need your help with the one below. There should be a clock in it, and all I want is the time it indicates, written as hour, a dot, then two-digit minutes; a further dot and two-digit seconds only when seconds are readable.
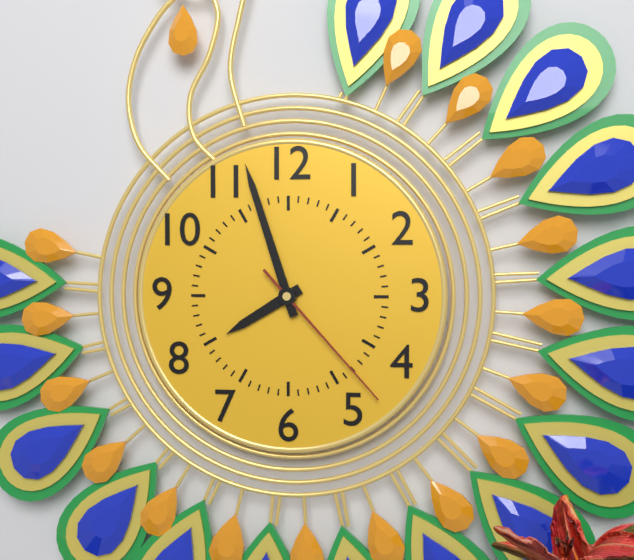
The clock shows 7.57.23
